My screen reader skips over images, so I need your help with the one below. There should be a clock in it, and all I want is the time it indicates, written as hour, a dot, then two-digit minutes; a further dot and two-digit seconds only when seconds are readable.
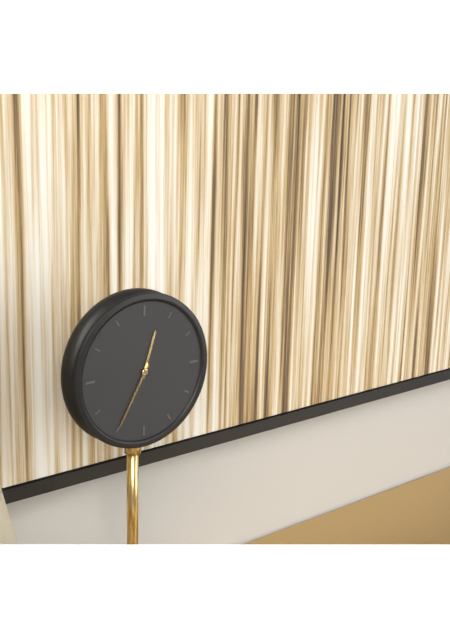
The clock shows 12.35
